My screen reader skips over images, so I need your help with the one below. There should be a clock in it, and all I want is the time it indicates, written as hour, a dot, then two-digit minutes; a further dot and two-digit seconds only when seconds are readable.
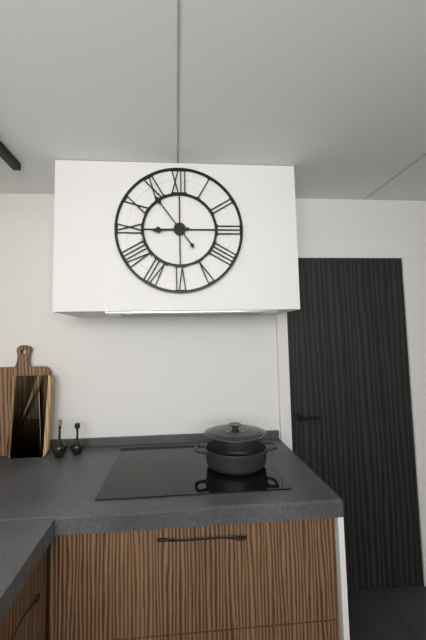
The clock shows 8.54
